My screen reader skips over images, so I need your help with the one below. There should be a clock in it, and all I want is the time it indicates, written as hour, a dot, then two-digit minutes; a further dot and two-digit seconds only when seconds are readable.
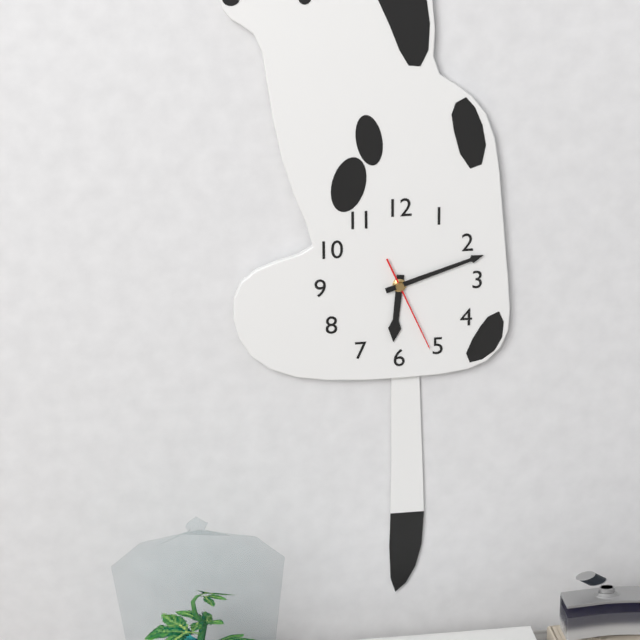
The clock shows 6.12.26
